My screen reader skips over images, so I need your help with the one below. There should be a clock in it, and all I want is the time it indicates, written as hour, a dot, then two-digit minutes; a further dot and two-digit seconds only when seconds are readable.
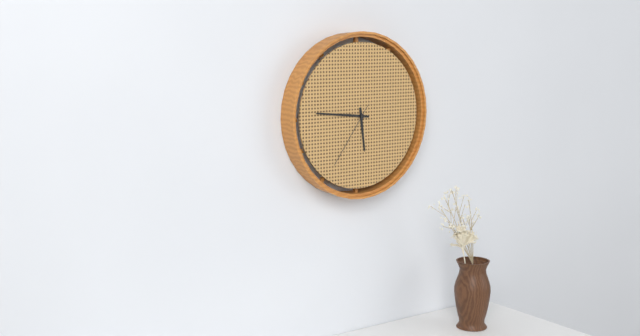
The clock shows 5.46.36
